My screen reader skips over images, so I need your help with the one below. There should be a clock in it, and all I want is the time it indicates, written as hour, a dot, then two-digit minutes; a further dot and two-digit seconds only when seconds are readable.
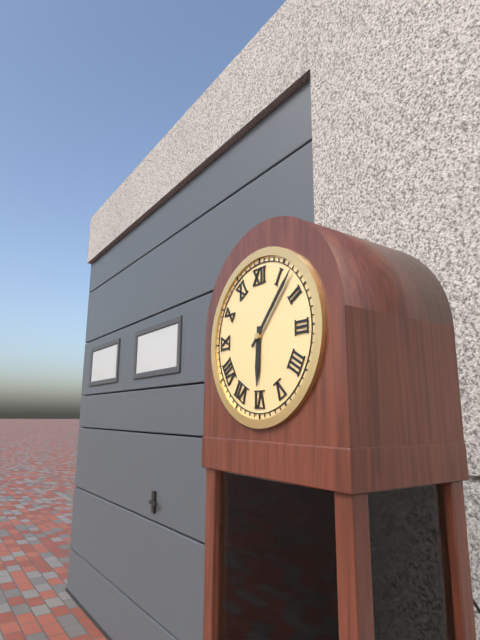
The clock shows 6.07
